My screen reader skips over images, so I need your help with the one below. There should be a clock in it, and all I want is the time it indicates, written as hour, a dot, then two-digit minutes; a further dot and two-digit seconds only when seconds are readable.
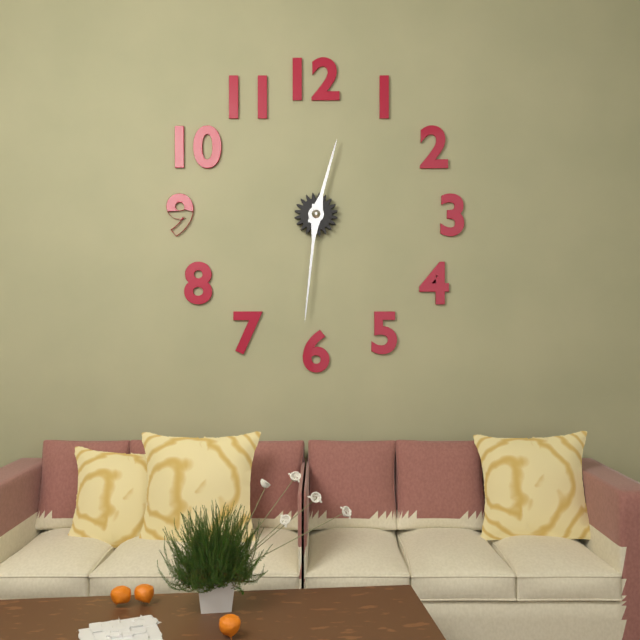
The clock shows 12.31
